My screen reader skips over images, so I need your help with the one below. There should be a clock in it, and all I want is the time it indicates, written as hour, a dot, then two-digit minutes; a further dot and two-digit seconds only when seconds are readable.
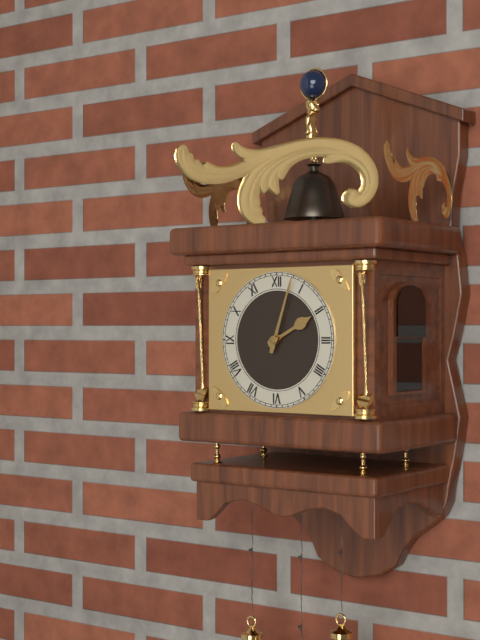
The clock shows 2.03
